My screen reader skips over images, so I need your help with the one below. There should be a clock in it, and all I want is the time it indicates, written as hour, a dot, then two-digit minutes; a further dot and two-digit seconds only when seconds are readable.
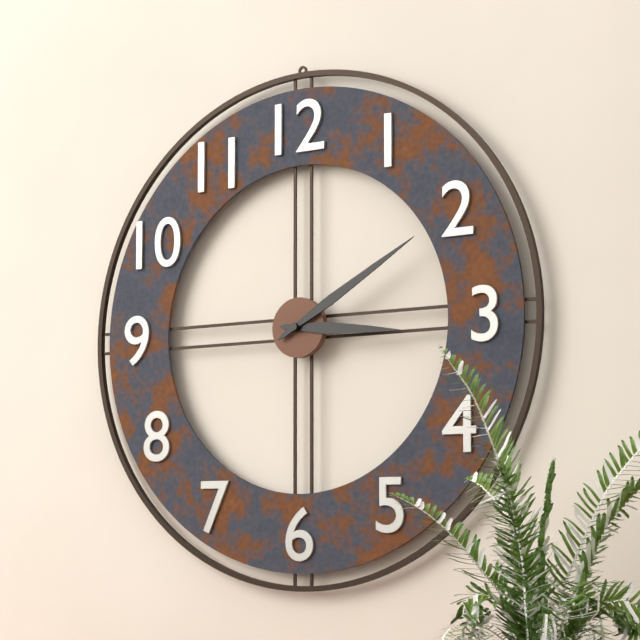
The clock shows 3.10
